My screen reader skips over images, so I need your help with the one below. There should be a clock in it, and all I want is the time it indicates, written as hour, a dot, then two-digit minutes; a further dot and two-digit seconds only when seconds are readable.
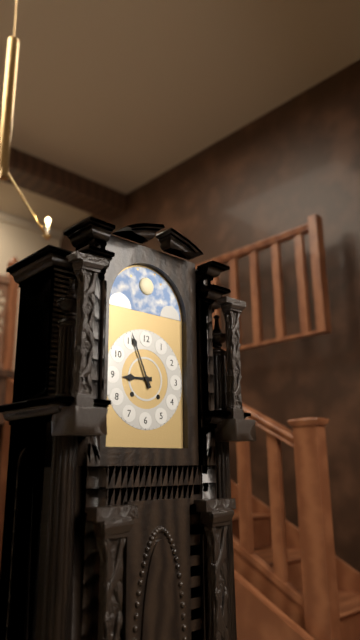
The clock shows 8.56
